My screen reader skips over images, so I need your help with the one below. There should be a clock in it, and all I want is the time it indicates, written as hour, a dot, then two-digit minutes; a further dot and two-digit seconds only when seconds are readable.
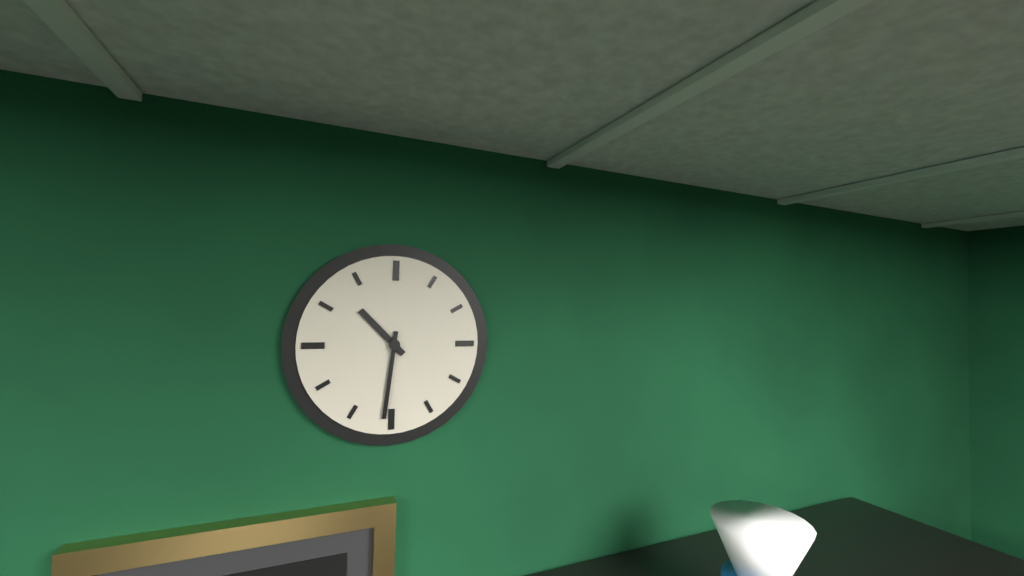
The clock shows 10.31
